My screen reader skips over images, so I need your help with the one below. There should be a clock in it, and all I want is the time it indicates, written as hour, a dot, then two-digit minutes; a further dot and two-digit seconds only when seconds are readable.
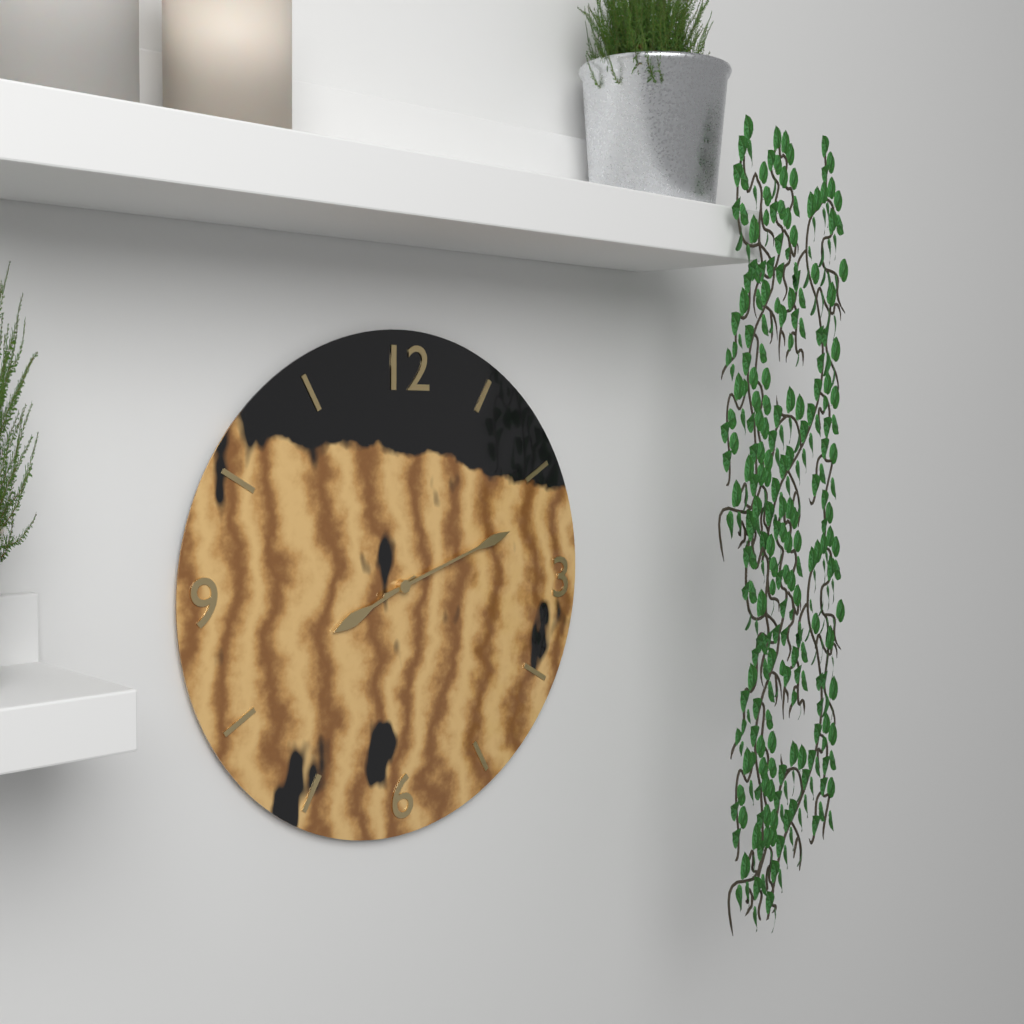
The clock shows 8.12
